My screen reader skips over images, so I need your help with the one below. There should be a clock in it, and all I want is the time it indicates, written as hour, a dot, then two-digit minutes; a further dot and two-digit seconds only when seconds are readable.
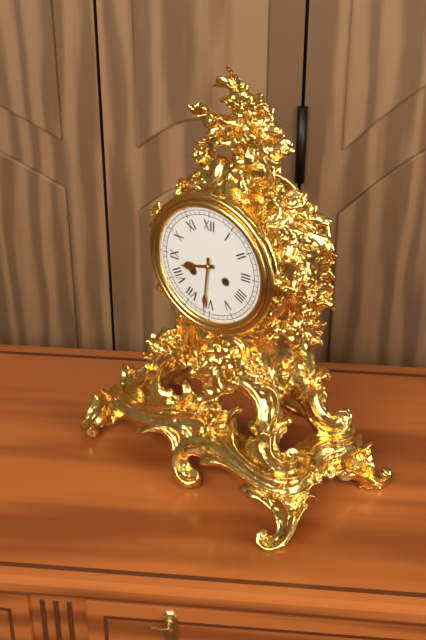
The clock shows 8.31
